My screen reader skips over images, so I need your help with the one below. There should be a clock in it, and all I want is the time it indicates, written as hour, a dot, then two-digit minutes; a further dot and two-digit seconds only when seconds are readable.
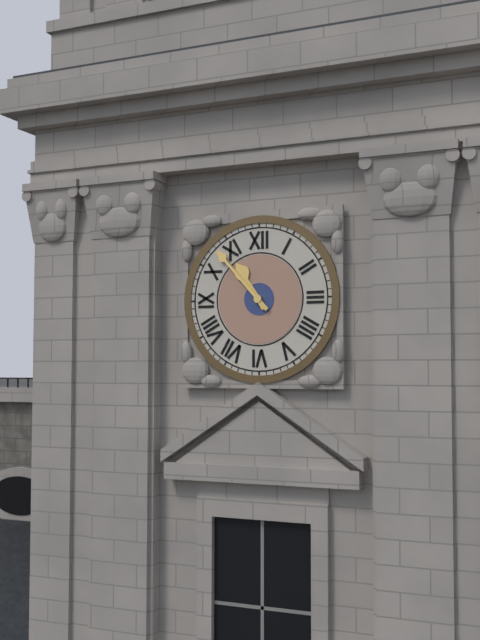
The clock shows 10.53
